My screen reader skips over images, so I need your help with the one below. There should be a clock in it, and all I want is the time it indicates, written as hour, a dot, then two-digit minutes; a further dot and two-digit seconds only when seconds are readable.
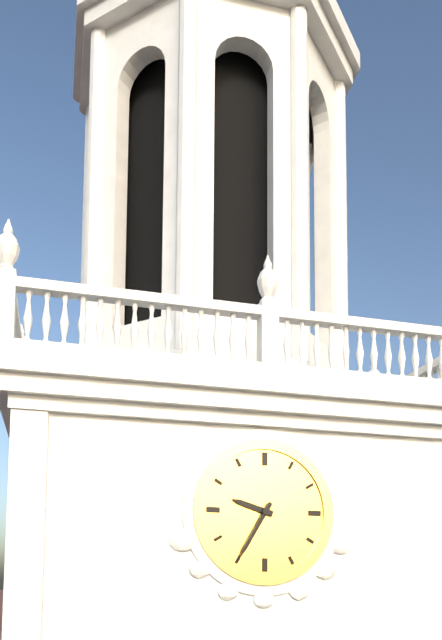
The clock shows 9.35
